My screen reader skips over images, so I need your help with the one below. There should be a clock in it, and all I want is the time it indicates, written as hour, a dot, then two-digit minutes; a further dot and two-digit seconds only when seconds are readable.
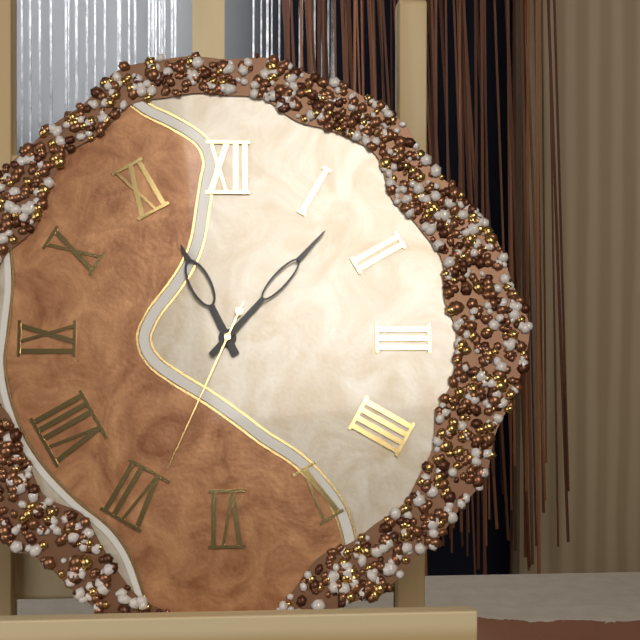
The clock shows 11.07.34
